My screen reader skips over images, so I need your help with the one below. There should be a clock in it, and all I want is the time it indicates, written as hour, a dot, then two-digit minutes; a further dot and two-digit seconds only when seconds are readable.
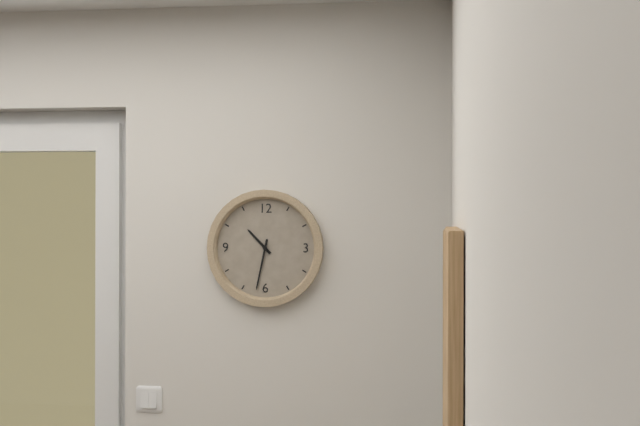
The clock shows 10.32
